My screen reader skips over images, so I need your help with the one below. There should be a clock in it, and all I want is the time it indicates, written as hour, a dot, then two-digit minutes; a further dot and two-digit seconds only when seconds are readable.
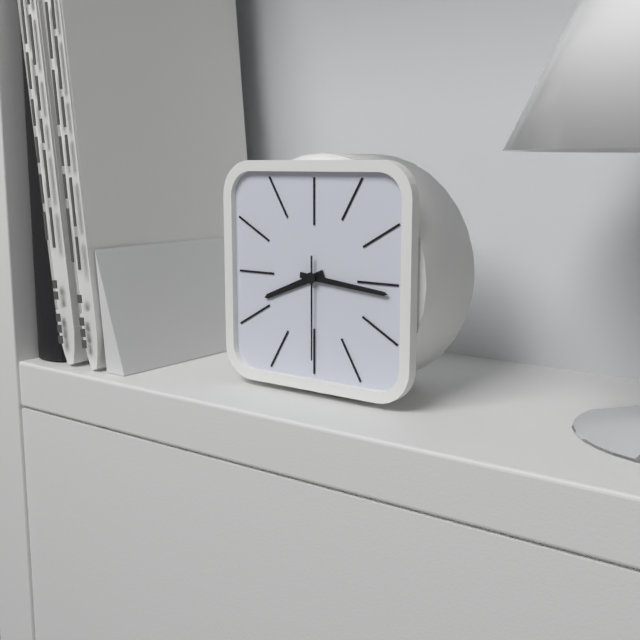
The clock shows 8.16.30
